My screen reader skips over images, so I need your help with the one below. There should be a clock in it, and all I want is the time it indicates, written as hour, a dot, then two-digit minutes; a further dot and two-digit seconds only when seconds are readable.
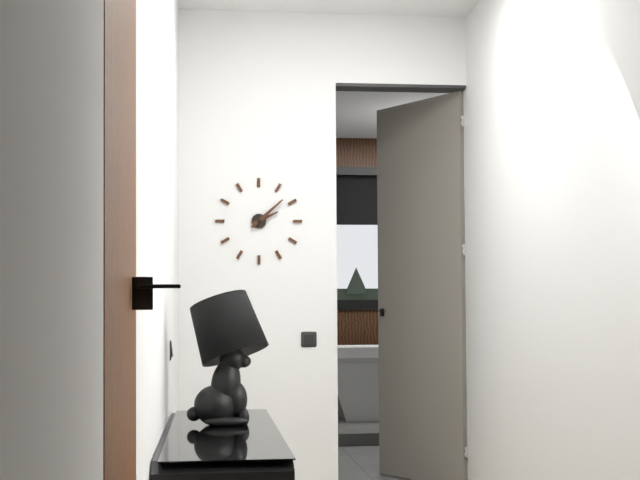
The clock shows 2.08
